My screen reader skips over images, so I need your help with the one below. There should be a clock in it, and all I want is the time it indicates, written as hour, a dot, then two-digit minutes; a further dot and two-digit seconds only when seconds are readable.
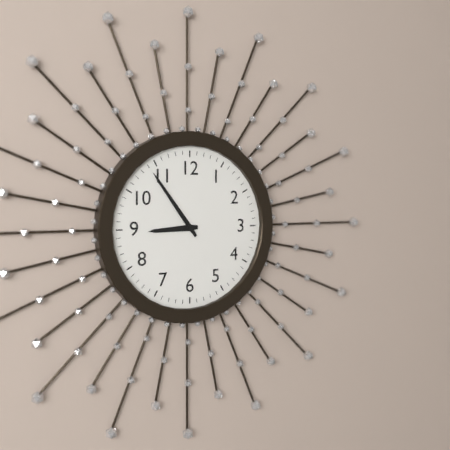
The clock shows 8.54
